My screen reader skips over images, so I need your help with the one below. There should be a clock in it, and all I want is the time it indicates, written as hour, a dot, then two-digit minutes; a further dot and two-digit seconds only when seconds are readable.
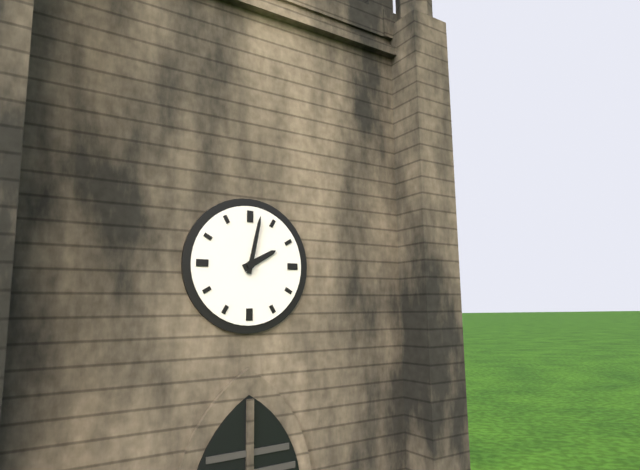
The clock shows 2.02
